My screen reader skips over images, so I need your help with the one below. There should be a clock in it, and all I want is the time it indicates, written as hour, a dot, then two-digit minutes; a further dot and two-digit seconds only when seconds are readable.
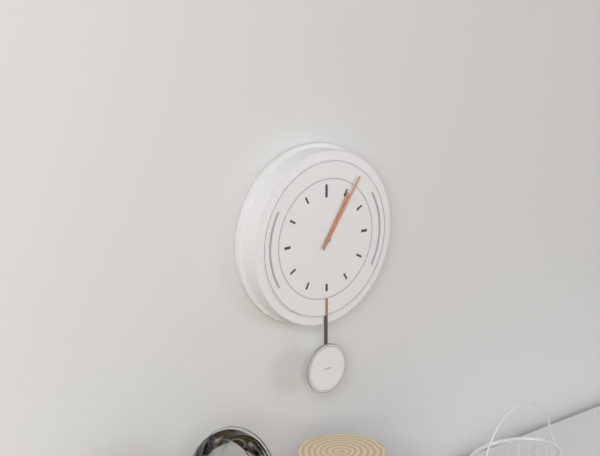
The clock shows 1.06
